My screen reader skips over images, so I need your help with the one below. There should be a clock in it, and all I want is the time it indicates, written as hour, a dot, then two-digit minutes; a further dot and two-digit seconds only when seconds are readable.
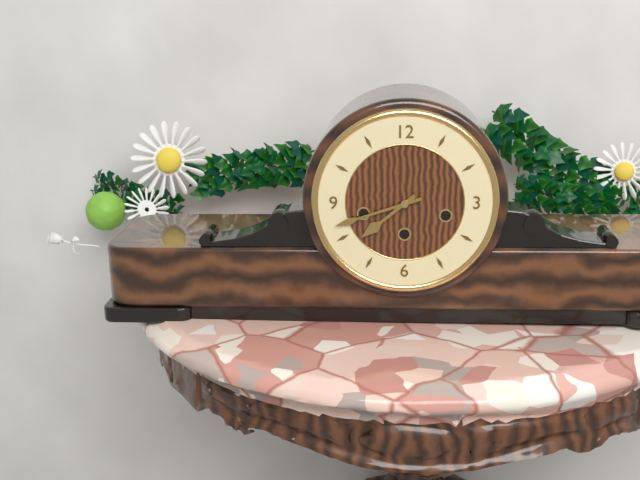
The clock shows 7.42
